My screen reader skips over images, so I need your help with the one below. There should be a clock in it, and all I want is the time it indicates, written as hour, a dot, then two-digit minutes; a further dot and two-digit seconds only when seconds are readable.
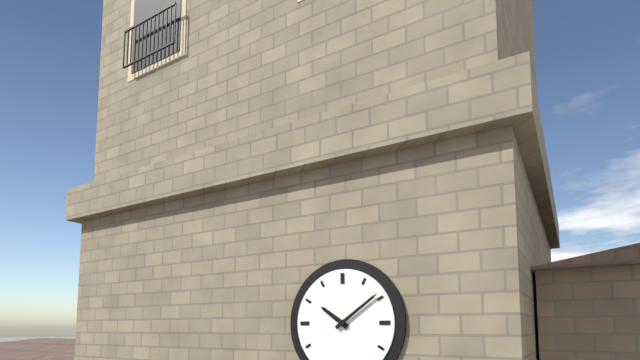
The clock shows 10.09
